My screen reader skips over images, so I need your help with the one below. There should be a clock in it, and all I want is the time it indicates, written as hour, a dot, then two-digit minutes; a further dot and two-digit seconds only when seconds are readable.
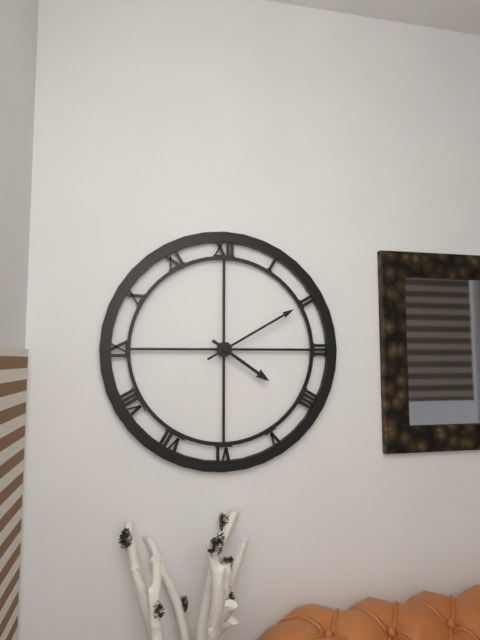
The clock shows 4.10
